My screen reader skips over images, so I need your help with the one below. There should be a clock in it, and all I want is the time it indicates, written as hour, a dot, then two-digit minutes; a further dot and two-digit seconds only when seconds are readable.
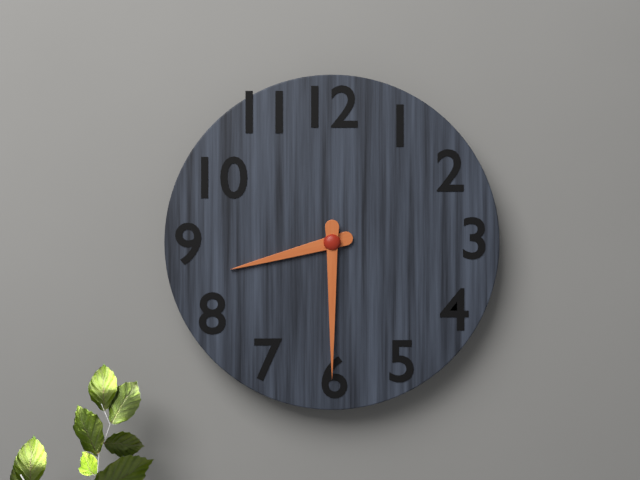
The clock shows 8.30
